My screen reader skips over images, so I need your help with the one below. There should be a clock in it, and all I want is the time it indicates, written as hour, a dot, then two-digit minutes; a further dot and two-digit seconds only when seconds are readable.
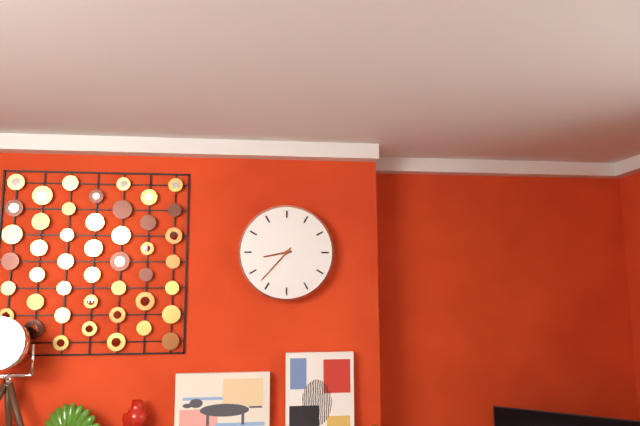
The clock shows 8.37
